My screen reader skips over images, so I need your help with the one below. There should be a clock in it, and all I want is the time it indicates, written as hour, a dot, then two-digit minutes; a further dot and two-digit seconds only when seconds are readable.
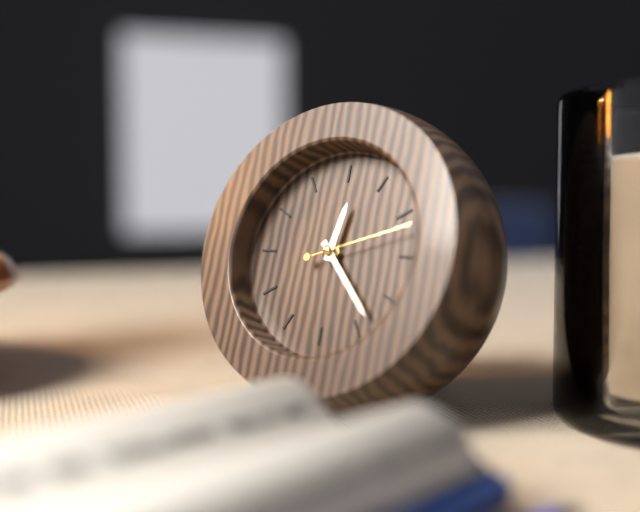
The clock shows 12.23.12
